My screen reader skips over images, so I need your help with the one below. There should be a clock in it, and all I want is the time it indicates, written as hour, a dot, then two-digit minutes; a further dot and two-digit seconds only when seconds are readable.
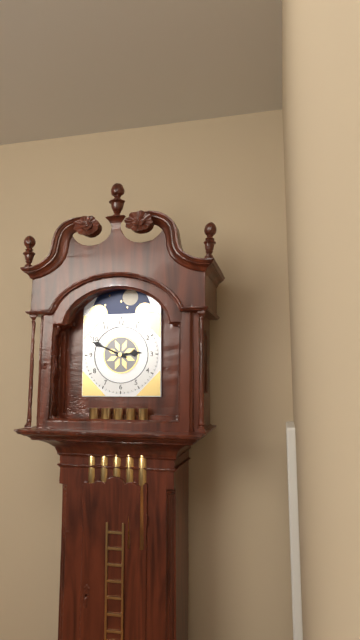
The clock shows 2.49
